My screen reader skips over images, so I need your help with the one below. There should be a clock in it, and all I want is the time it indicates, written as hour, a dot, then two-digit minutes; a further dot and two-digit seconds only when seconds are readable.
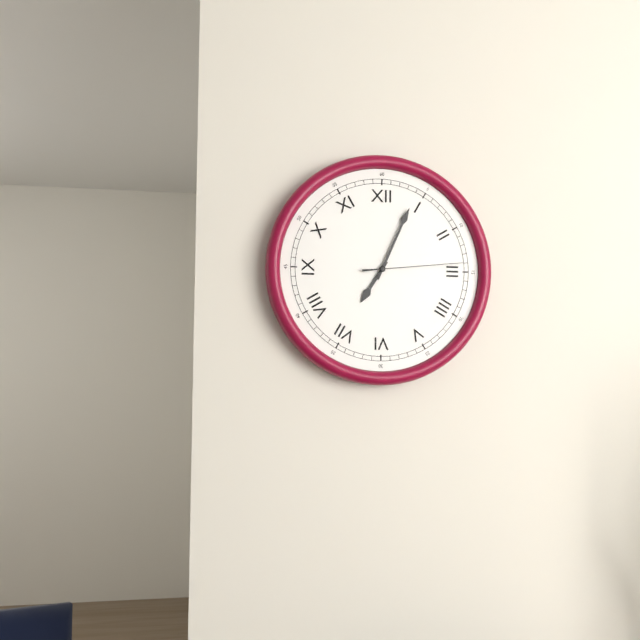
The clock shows 7.04.14
